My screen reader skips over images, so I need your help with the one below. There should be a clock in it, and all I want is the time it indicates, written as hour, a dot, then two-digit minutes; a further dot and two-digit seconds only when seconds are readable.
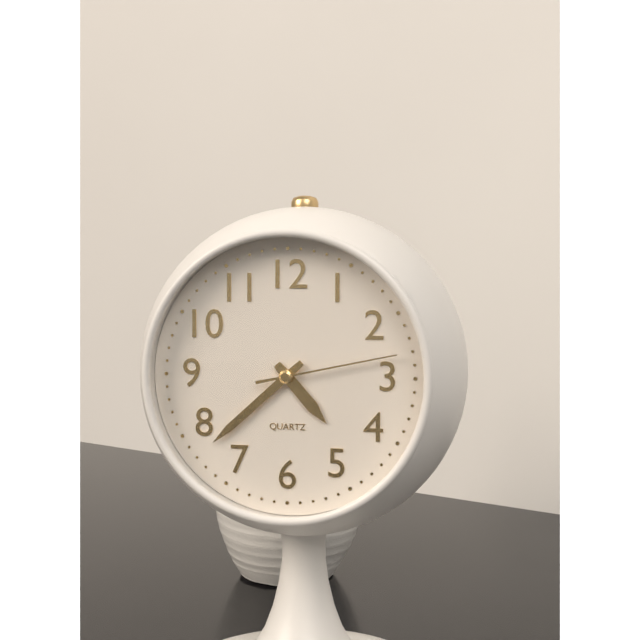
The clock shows 4.38.13
